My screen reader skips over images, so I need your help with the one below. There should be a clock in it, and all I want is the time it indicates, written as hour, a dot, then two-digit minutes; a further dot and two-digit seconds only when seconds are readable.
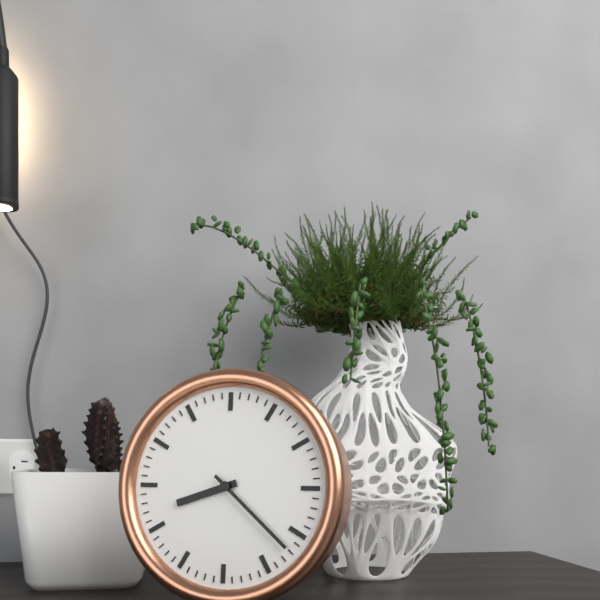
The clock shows 8.22
